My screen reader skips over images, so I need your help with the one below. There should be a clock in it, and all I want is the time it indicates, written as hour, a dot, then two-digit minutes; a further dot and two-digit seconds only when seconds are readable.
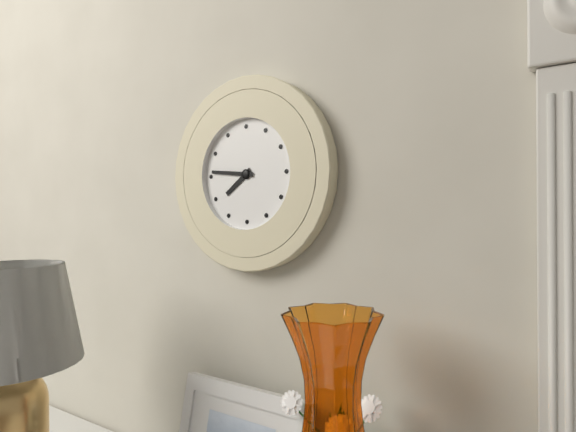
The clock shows 7.46
